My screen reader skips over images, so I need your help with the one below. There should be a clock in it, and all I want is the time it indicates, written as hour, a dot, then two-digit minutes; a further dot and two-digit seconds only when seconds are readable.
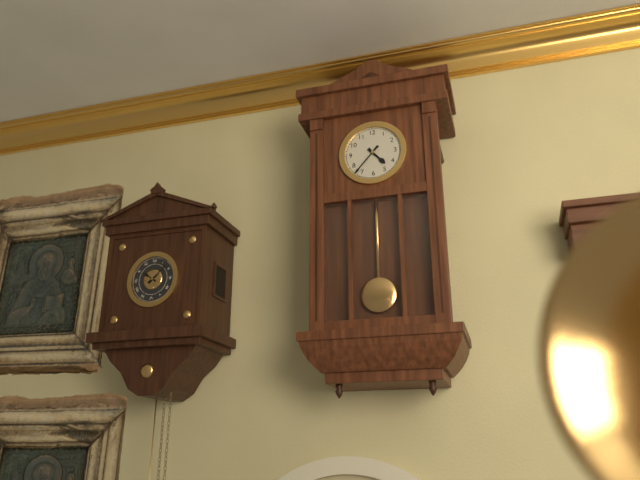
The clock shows 4.37
